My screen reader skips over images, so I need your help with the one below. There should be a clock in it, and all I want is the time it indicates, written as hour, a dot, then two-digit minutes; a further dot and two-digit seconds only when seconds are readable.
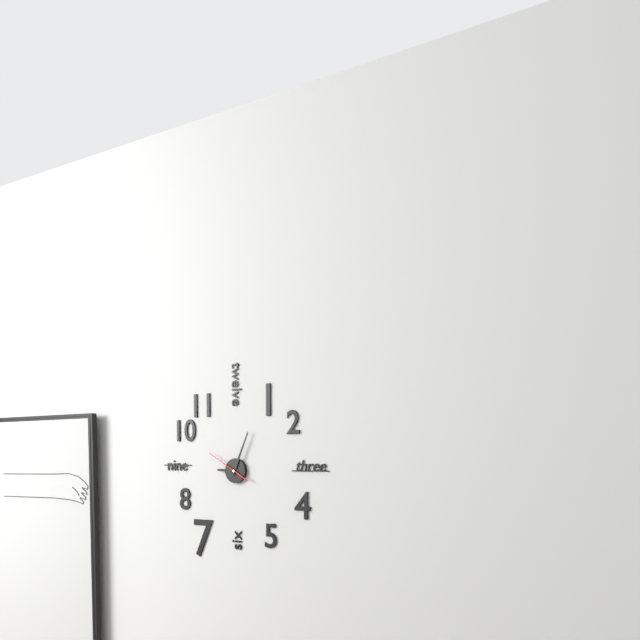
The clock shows 9.04
